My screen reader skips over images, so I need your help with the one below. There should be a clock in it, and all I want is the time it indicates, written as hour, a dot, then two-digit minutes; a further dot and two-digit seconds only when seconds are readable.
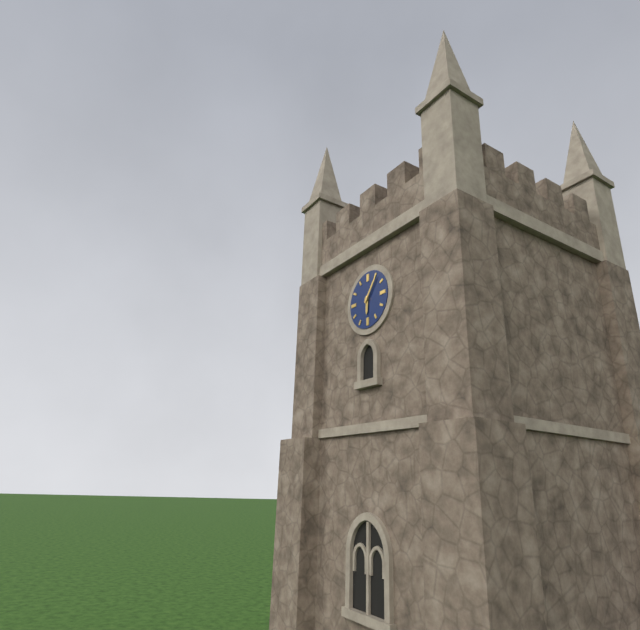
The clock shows 6.06
